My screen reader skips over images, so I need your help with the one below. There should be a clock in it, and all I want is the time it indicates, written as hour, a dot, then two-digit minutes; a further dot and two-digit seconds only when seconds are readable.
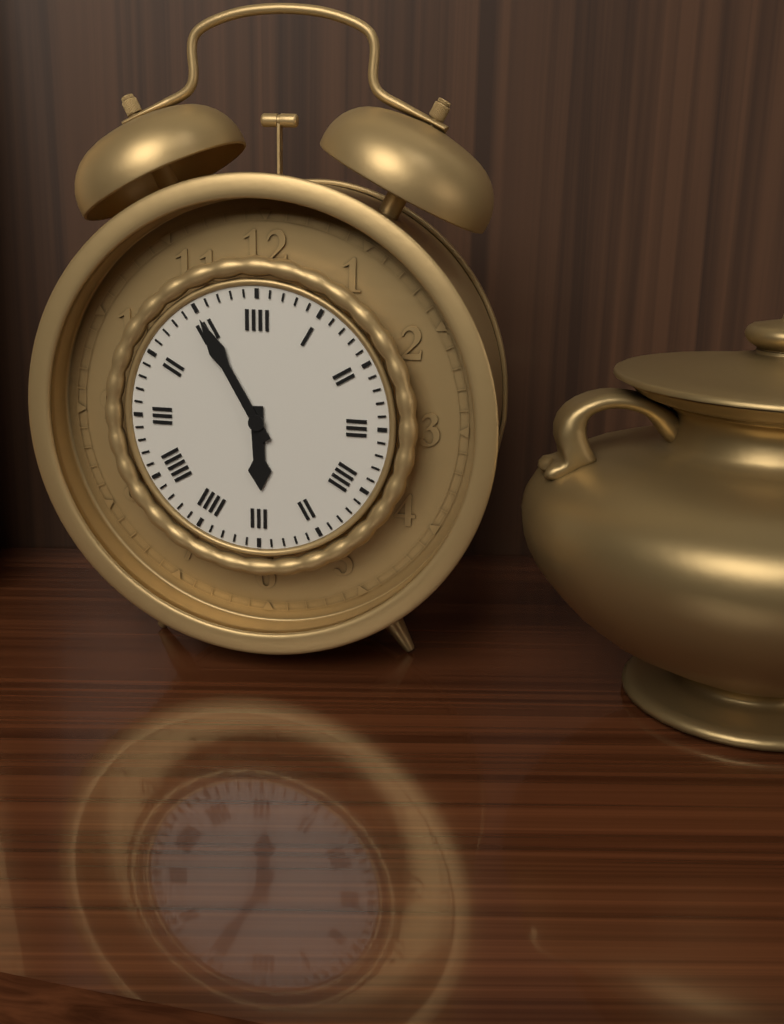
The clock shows 5.55
